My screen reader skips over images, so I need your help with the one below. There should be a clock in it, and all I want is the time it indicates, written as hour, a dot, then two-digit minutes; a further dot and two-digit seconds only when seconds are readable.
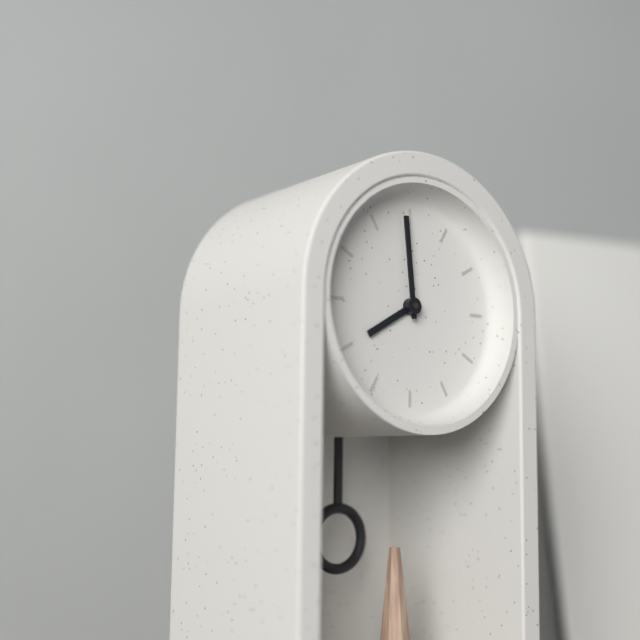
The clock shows 7.59
